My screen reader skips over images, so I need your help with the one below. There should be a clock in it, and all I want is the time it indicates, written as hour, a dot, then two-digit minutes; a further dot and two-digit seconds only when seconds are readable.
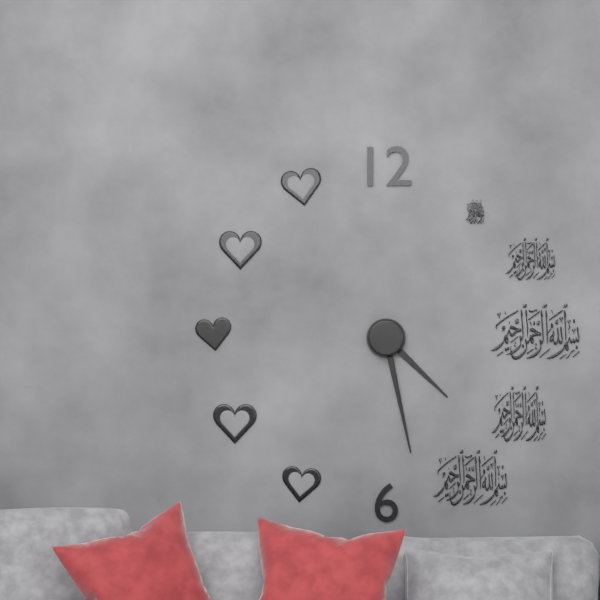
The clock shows 4.28
